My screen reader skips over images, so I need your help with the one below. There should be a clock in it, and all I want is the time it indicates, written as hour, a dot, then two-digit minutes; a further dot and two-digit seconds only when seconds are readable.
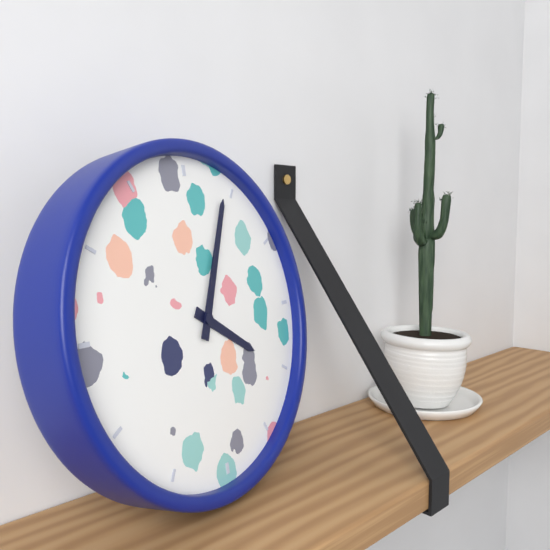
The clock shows 4.04
